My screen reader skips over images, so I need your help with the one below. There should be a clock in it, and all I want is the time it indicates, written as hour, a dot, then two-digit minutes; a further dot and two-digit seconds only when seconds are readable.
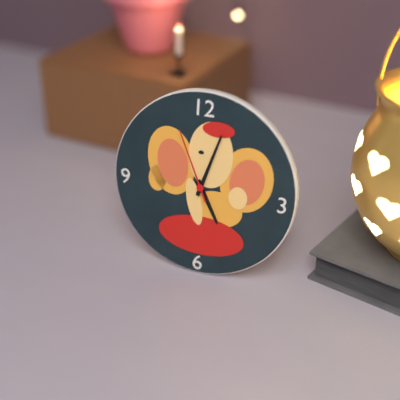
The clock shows 5.03.56
